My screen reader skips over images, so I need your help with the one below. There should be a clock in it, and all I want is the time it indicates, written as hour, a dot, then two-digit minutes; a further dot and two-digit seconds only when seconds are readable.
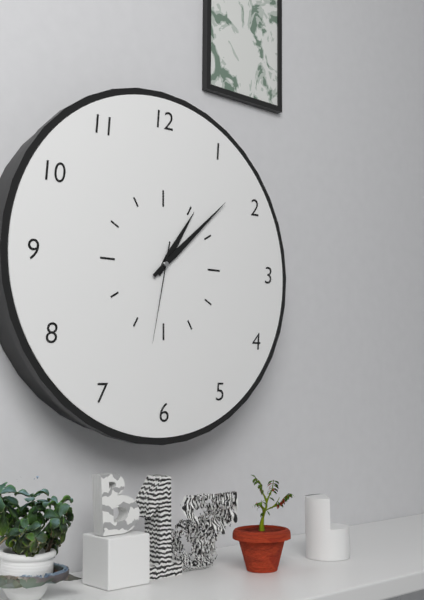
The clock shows 1.08.32
